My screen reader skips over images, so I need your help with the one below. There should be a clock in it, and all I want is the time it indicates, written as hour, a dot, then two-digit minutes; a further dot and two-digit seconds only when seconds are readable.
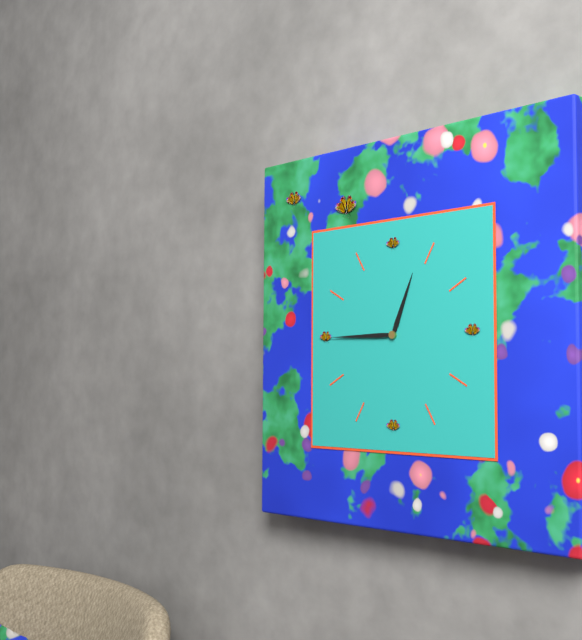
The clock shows 12.45
